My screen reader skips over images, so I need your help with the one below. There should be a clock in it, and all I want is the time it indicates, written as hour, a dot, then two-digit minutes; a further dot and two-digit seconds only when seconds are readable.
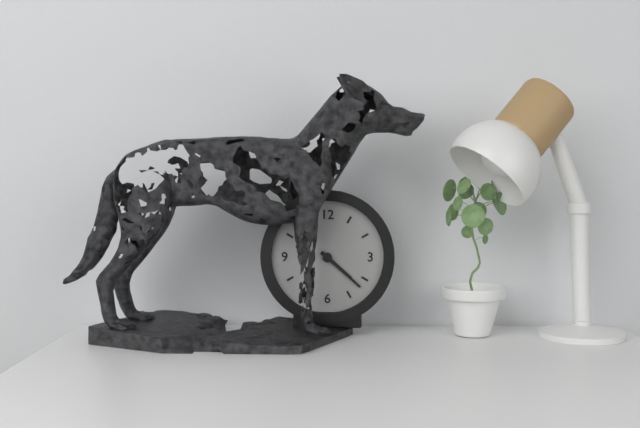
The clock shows 4.22
